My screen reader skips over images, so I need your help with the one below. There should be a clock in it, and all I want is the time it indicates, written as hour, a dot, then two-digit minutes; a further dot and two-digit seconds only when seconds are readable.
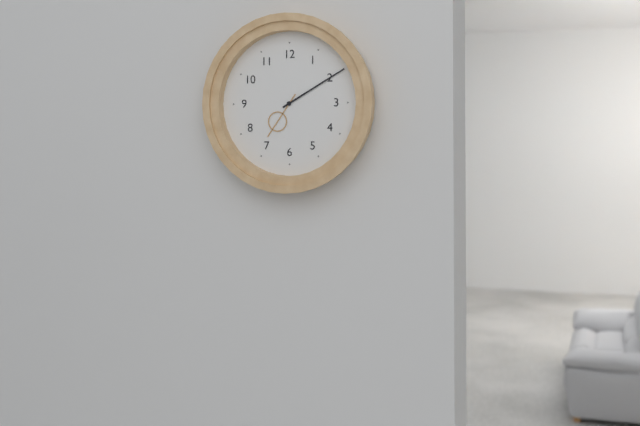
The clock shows 7.10
